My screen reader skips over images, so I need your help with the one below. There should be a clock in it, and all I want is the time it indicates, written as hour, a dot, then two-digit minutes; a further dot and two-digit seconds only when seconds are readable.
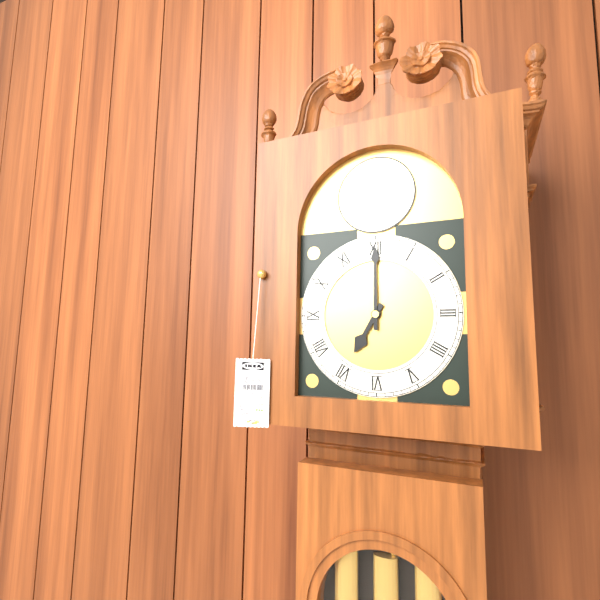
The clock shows 7.00
